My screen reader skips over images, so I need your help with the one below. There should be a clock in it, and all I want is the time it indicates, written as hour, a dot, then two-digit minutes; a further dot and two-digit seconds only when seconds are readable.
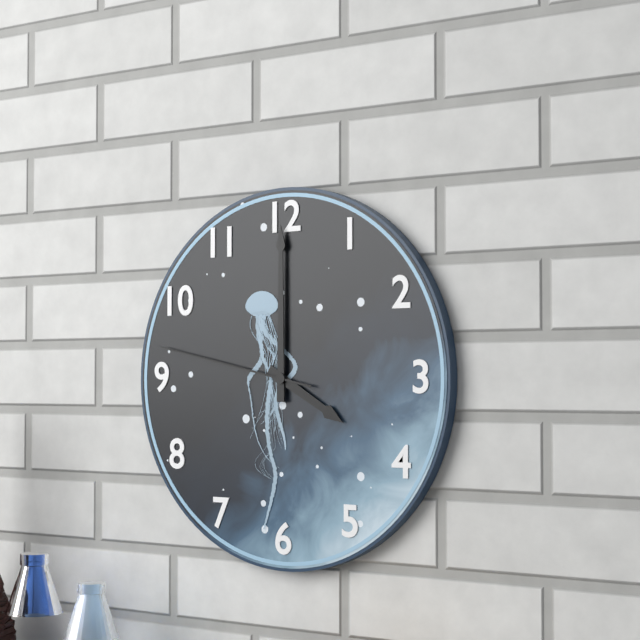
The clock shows 4.00.47
